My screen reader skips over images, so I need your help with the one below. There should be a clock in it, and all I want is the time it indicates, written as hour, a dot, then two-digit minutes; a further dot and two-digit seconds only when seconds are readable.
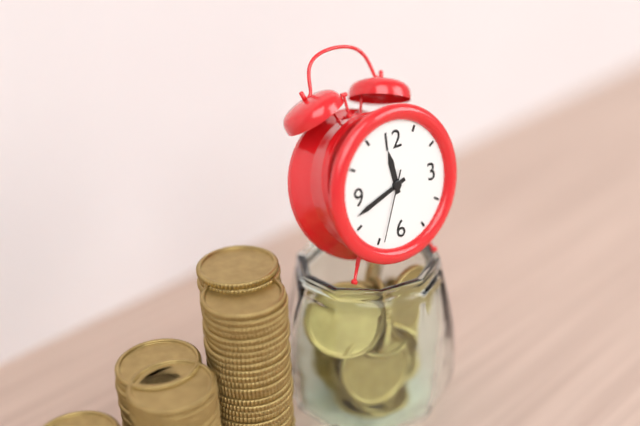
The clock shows 11.42.34
